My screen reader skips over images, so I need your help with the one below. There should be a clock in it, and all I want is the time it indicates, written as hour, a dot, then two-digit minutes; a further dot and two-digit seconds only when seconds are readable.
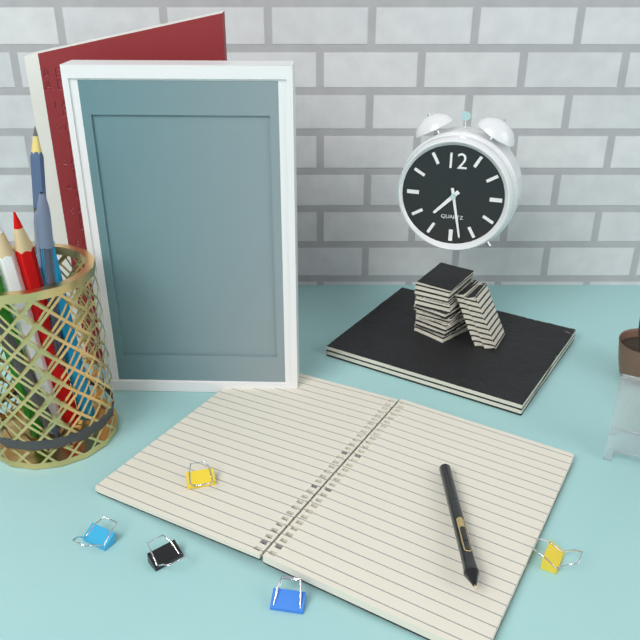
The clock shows 7.28
